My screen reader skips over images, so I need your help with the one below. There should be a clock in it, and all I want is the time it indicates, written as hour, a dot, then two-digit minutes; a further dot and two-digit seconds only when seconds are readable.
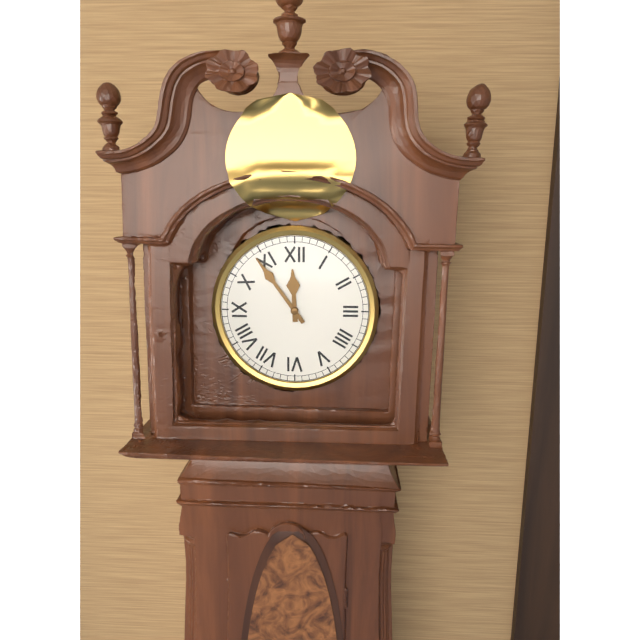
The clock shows 11.54
